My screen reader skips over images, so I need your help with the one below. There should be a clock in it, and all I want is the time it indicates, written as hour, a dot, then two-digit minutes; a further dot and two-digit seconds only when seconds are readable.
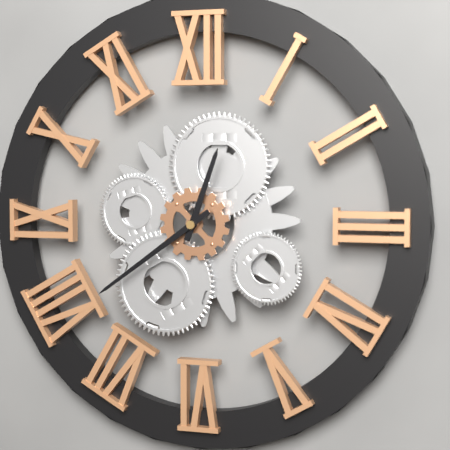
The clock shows 12.39
